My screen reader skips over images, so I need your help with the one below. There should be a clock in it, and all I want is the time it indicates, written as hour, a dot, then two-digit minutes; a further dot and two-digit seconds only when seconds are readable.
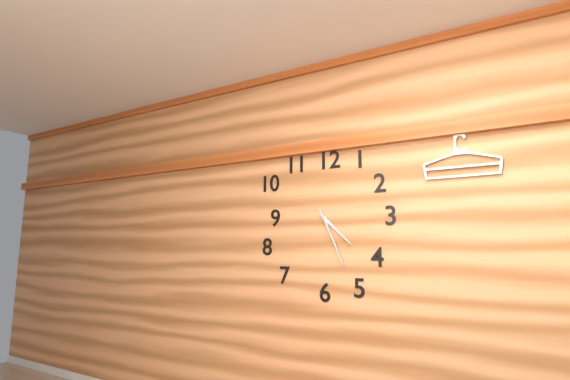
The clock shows 4.26
